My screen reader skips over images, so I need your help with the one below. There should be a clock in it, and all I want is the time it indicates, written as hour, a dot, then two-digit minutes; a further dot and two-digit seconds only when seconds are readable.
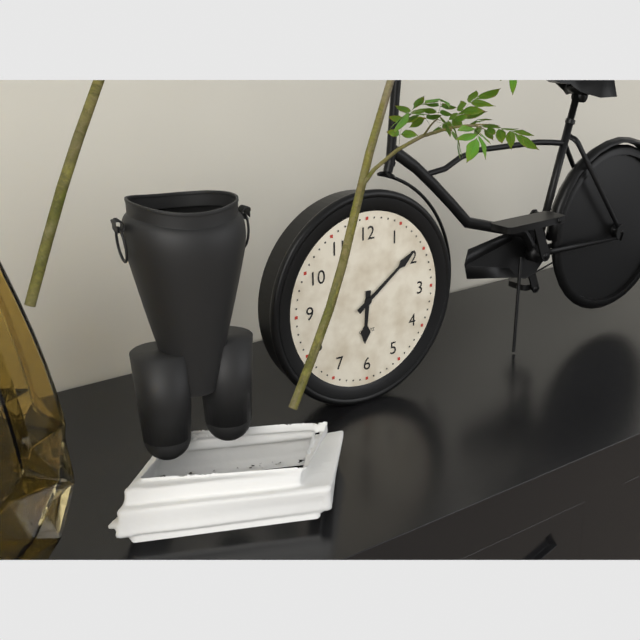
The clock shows 6.09
